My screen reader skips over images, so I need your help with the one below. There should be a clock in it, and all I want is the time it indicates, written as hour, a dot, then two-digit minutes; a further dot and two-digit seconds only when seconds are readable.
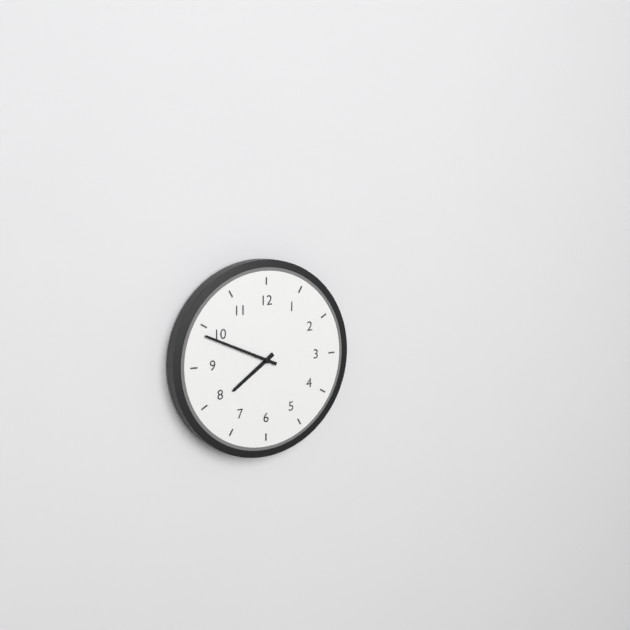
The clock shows 7.49
